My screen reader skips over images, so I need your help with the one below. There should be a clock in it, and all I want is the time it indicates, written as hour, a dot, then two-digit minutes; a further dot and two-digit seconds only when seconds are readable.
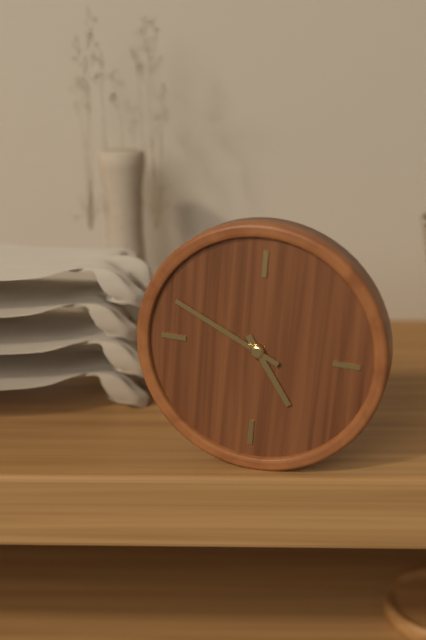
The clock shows 4.49
